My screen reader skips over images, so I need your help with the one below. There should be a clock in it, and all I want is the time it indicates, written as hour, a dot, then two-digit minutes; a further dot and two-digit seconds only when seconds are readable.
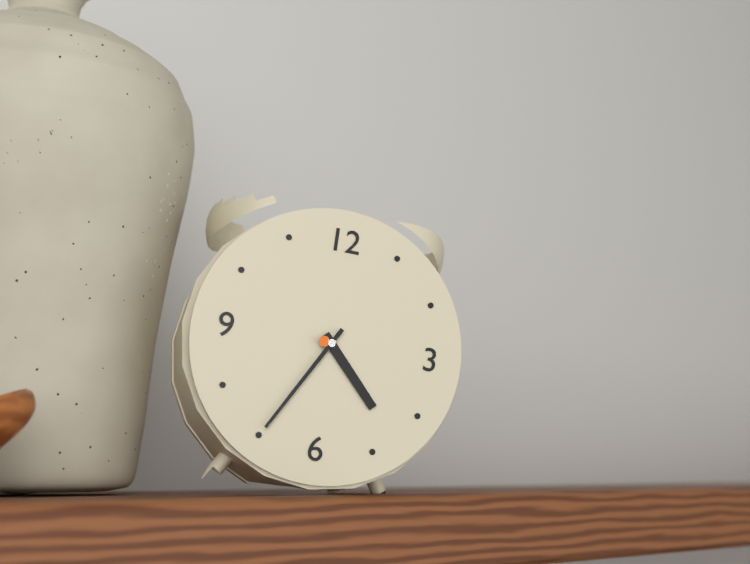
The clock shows 4.35
